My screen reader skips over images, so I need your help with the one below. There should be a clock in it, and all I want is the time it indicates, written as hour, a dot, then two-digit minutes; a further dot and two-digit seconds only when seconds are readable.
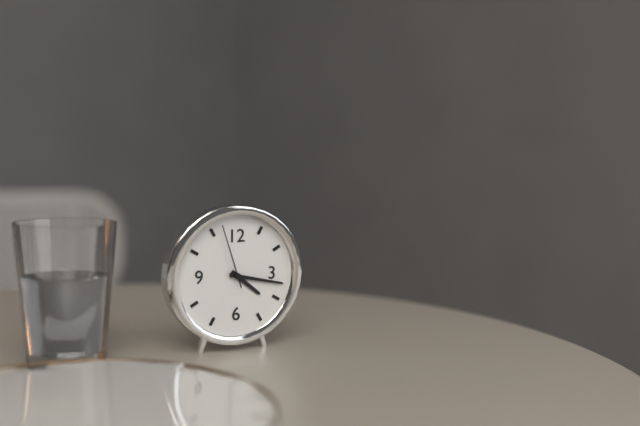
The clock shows 4.17.57
